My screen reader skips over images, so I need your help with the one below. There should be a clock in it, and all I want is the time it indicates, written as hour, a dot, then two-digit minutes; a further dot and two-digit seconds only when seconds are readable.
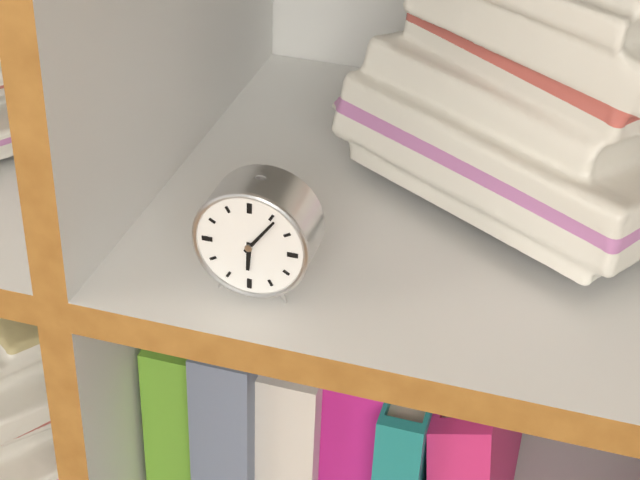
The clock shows 6.06
